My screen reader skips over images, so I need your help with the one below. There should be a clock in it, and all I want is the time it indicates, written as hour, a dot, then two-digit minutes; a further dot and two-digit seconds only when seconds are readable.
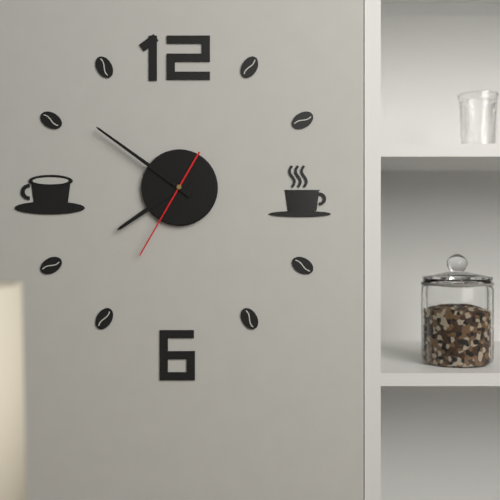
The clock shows 7.51.35
